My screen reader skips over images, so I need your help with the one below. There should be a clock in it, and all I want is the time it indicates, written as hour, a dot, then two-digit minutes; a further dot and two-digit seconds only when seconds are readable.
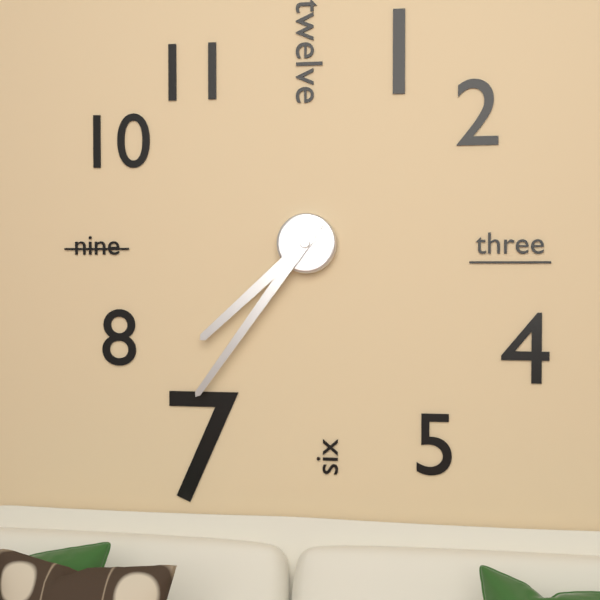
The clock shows 7.36
